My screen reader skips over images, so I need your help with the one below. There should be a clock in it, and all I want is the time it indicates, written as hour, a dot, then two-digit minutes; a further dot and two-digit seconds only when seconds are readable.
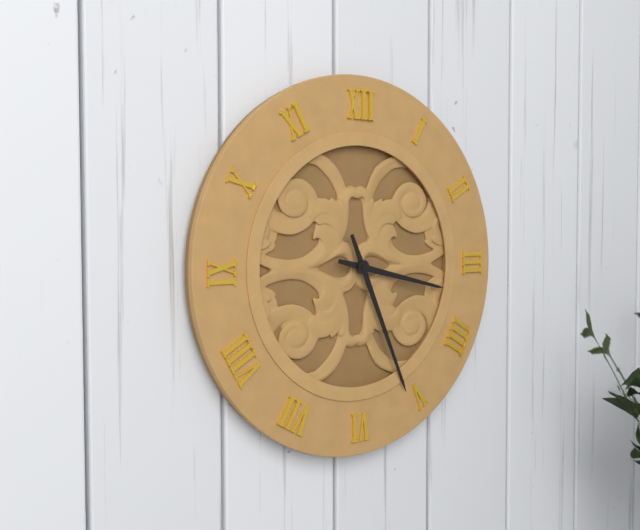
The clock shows 3.26
